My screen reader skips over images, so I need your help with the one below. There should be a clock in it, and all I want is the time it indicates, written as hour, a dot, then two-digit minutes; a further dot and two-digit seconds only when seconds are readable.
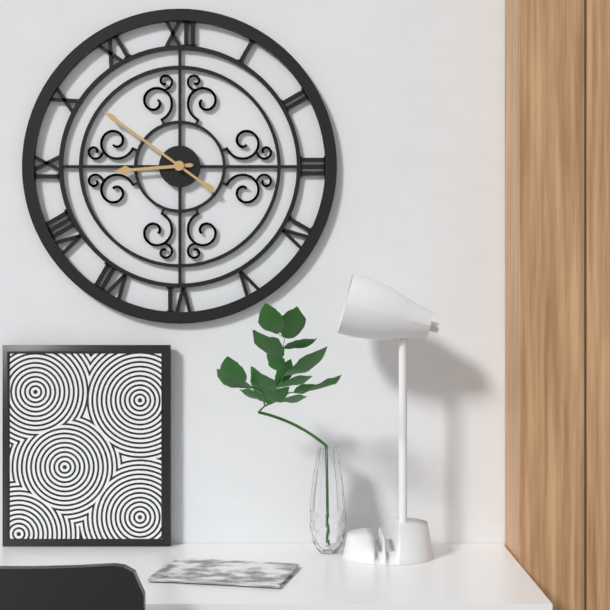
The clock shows 8.51
